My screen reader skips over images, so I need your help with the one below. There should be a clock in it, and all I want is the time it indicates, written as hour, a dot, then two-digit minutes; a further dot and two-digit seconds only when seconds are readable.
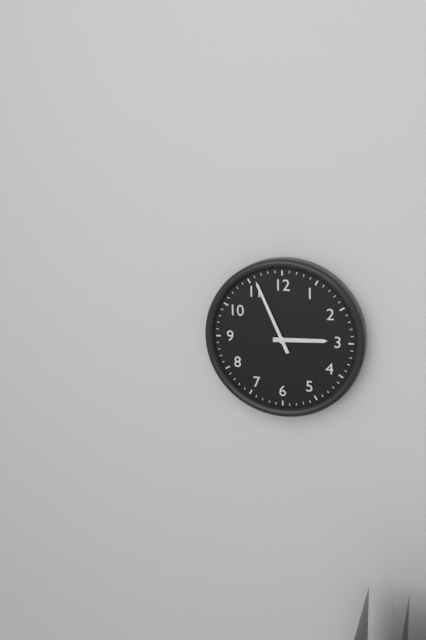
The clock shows 2.56
